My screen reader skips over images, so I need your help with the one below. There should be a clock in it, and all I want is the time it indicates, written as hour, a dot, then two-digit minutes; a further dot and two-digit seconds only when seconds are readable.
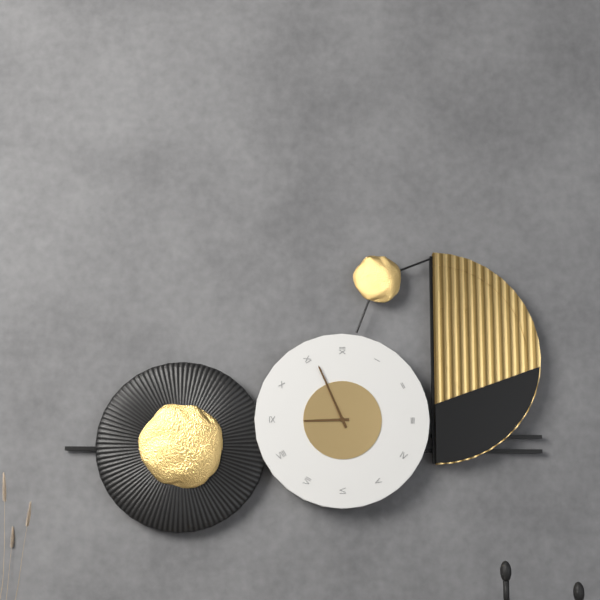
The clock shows 8.56
